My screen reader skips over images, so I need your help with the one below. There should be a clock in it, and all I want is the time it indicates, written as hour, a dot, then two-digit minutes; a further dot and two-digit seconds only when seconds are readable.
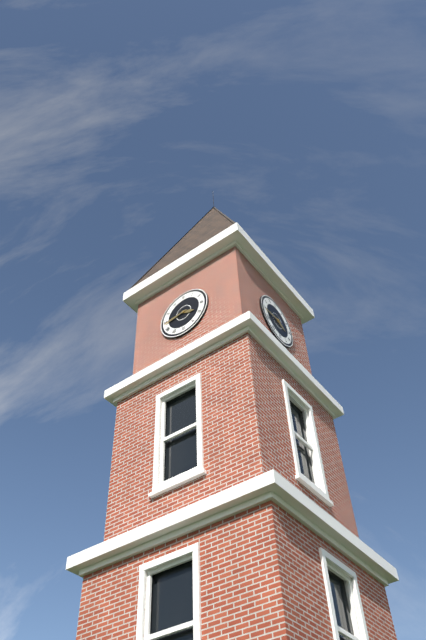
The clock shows 3.44
